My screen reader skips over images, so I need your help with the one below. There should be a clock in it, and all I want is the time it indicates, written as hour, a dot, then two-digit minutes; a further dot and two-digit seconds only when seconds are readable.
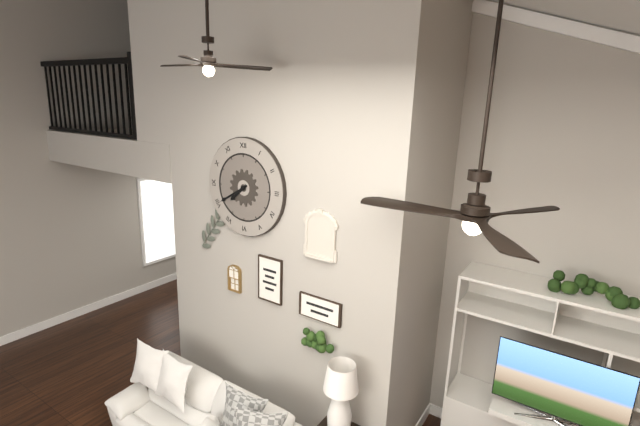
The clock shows 7.40
